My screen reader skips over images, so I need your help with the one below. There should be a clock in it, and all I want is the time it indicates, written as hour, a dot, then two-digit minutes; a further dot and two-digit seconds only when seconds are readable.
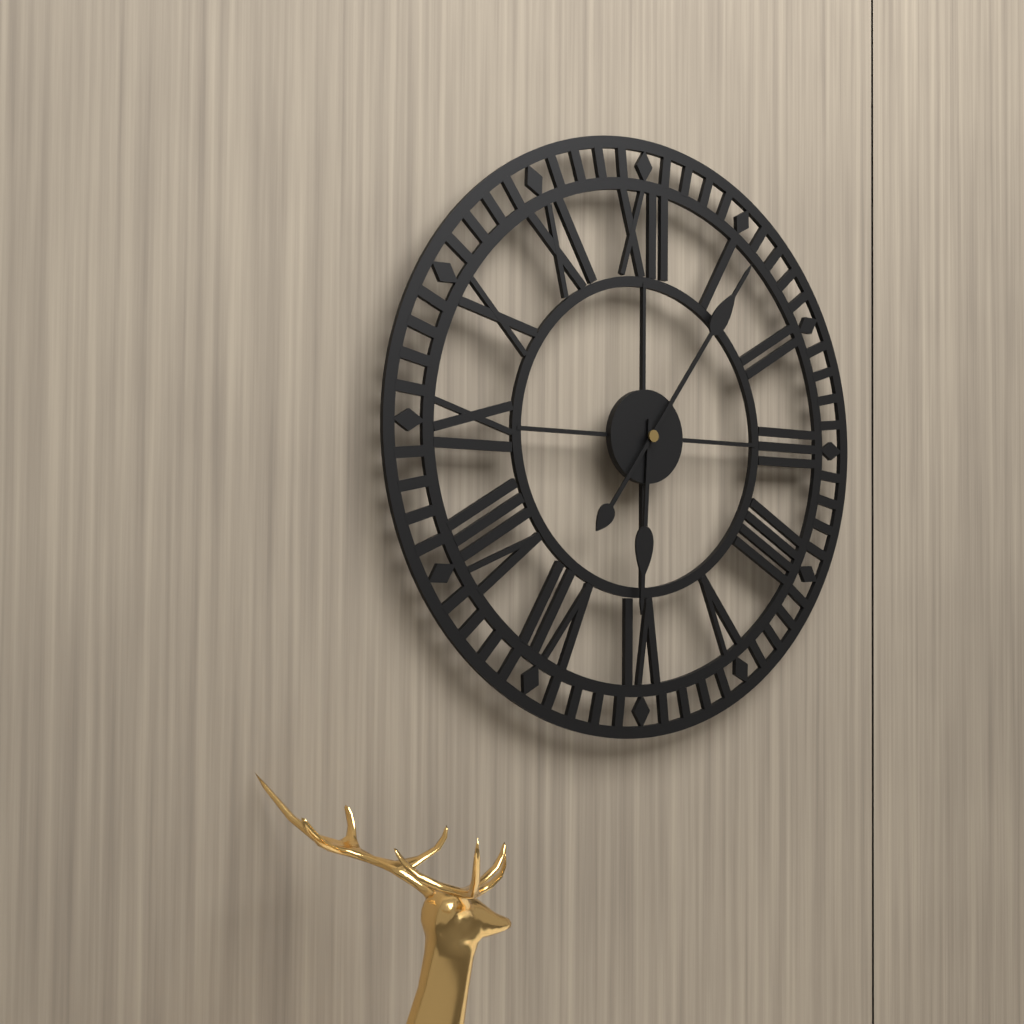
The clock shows 6.06
